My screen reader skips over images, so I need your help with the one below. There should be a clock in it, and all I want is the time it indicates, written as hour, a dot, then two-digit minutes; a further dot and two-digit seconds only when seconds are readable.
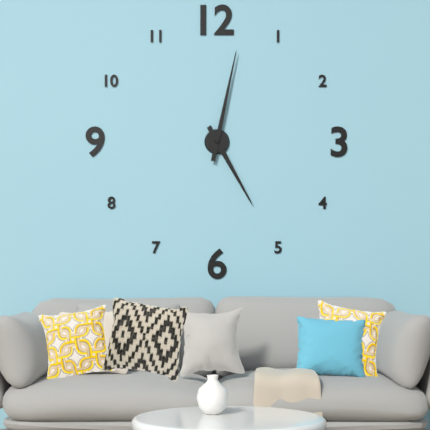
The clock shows 5.02
